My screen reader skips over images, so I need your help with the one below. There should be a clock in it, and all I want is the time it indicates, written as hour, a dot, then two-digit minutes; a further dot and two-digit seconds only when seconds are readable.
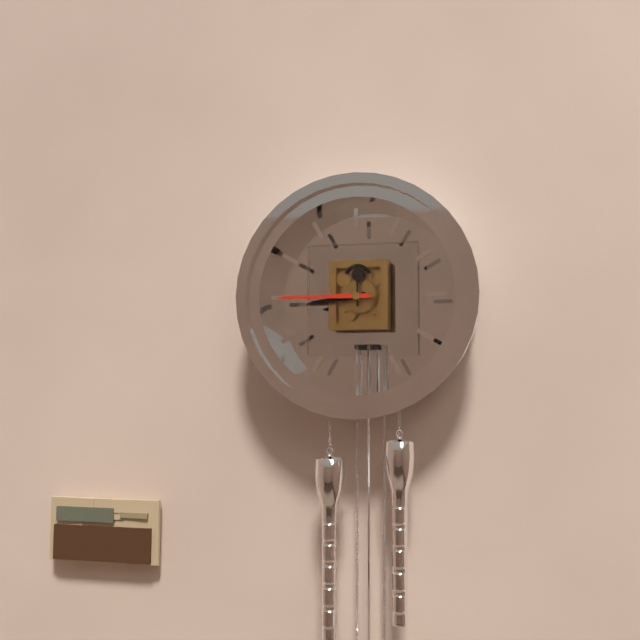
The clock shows 8.45
